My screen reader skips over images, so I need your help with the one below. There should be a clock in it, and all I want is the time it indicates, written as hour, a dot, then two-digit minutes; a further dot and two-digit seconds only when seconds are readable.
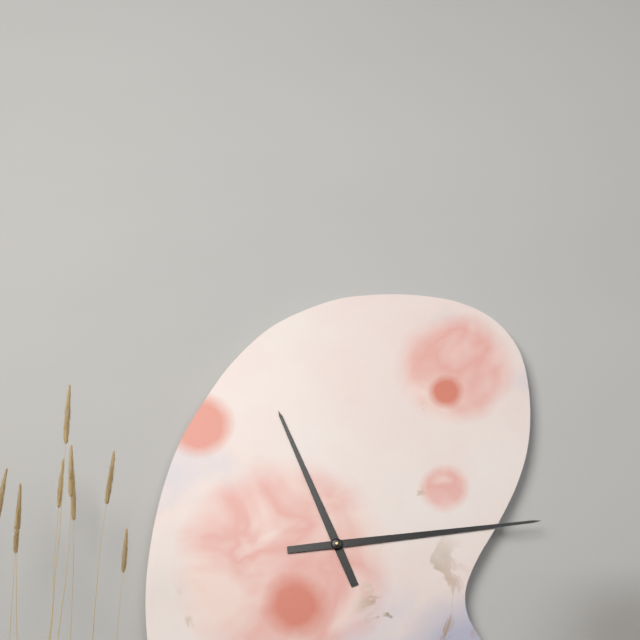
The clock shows 11.14
